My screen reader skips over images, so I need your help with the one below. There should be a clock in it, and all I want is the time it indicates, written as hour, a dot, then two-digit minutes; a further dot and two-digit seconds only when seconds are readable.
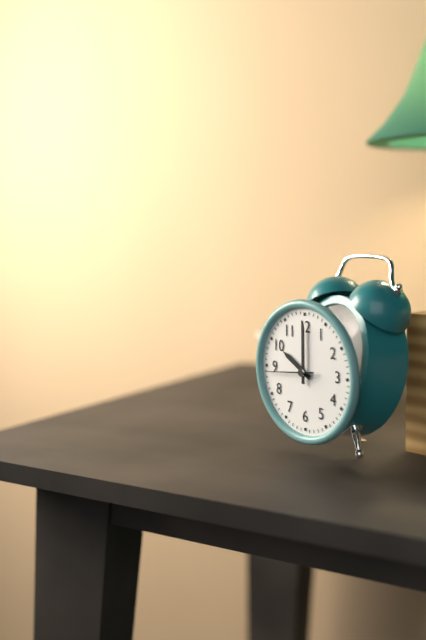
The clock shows 10.00
